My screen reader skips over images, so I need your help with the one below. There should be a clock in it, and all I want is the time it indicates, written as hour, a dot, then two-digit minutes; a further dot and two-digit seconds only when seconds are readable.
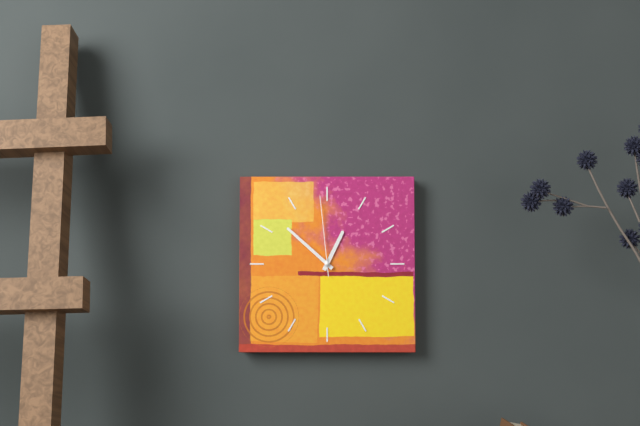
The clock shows 12.52.59
